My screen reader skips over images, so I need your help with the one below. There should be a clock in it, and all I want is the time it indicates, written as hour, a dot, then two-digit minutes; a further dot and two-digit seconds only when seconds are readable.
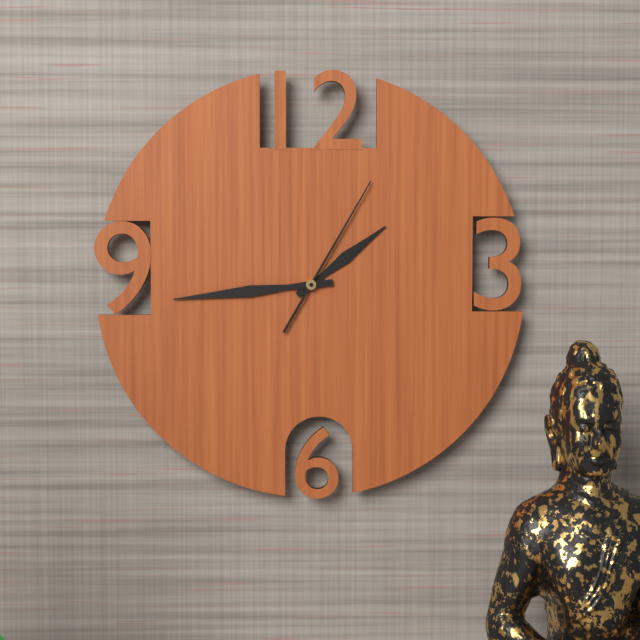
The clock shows 1.44.05
